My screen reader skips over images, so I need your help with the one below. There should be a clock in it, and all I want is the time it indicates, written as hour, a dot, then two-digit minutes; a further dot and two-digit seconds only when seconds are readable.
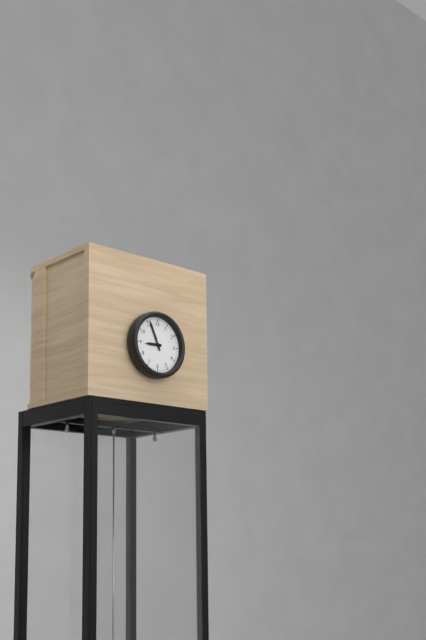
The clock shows 8.56
